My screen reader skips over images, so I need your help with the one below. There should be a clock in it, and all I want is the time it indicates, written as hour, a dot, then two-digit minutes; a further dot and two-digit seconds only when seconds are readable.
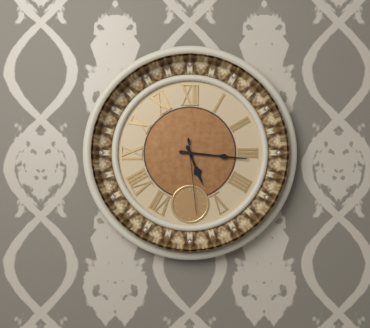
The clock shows 5.16.29
